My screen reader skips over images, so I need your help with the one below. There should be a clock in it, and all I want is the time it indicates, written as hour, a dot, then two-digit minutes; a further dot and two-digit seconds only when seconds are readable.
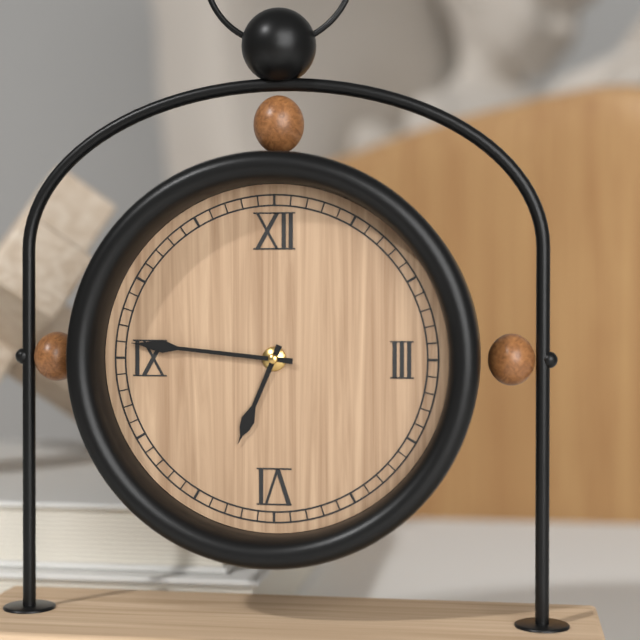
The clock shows 6.46
